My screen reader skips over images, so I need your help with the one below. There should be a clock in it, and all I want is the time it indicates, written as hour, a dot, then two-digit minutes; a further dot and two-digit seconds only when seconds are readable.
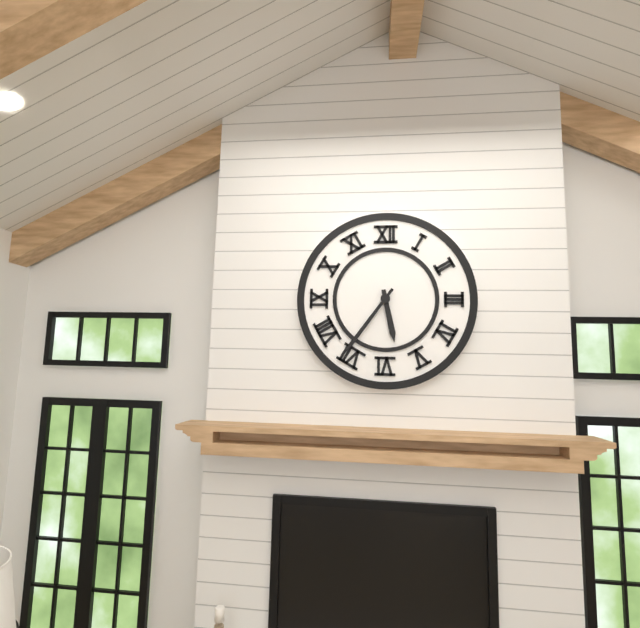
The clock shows 5.36
